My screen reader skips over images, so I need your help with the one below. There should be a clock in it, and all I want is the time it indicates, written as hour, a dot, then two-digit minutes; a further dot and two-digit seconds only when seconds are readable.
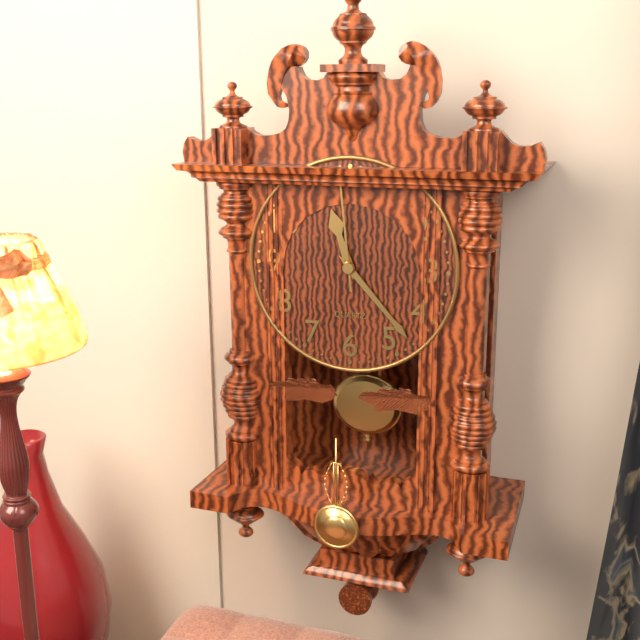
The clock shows 11.23.59
